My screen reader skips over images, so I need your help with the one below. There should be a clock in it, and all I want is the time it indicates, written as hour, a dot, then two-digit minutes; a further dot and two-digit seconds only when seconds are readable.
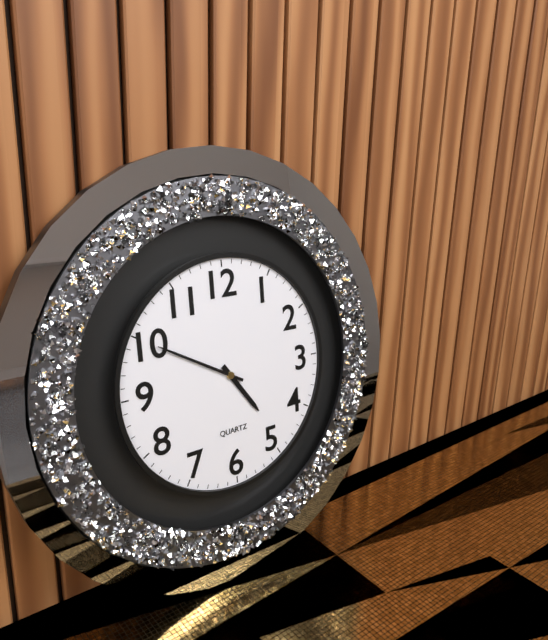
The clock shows 4.50
